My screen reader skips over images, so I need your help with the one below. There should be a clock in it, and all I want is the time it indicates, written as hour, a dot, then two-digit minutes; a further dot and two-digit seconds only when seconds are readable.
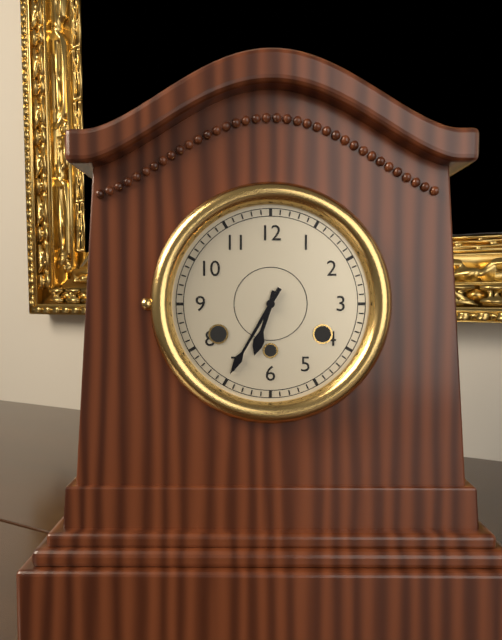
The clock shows 6.35
